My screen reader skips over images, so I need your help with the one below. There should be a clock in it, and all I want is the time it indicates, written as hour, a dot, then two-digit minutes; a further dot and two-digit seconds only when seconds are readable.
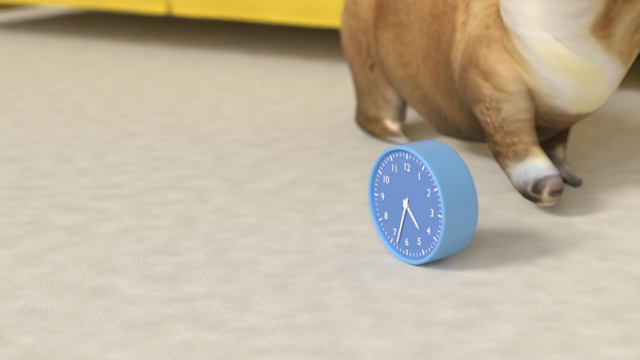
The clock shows 4.33
